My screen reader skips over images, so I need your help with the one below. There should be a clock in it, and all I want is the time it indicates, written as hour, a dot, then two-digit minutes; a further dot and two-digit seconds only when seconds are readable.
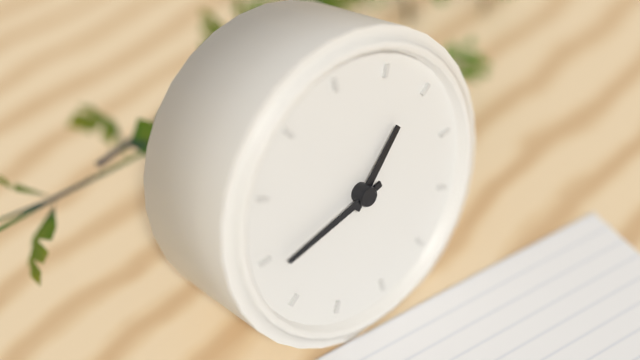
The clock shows 1.44
